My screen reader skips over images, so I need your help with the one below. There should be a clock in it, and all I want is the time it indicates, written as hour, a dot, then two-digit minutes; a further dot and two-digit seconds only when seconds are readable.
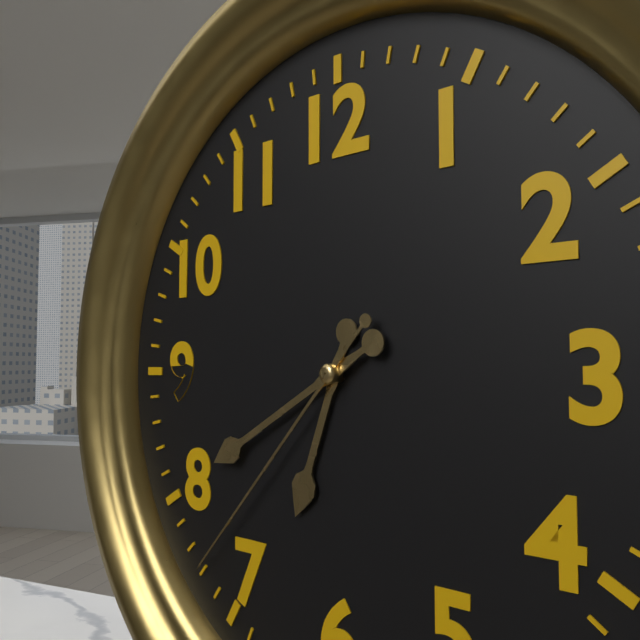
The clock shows 6.40.37
